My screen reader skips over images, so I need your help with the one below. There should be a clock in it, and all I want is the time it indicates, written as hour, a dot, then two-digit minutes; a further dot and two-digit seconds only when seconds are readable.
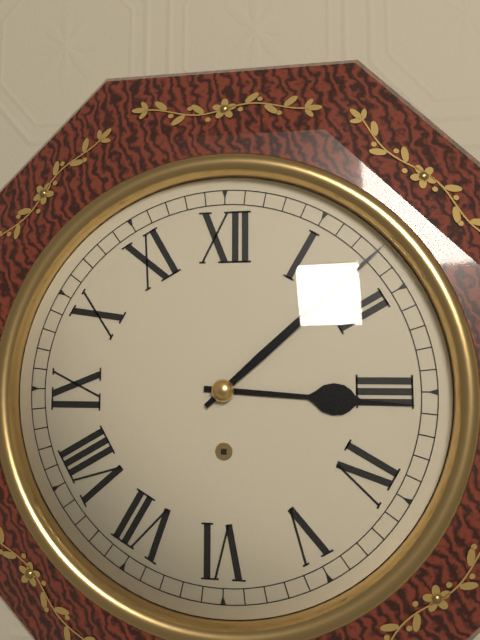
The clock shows 3.08
